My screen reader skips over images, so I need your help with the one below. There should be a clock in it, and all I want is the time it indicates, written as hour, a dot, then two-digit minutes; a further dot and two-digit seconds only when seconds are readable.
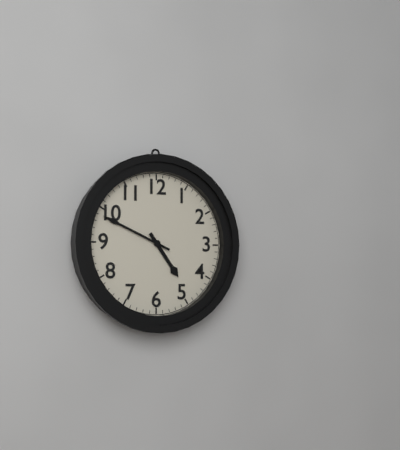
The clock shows 4.49
